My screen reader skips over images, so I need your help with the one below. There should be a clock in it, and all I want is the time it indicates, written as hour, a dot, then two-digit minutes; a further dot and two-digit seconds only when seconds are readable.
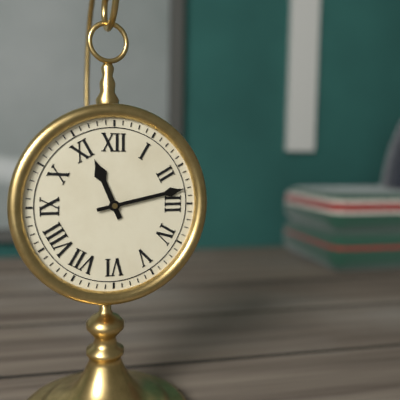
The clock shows 11.13
